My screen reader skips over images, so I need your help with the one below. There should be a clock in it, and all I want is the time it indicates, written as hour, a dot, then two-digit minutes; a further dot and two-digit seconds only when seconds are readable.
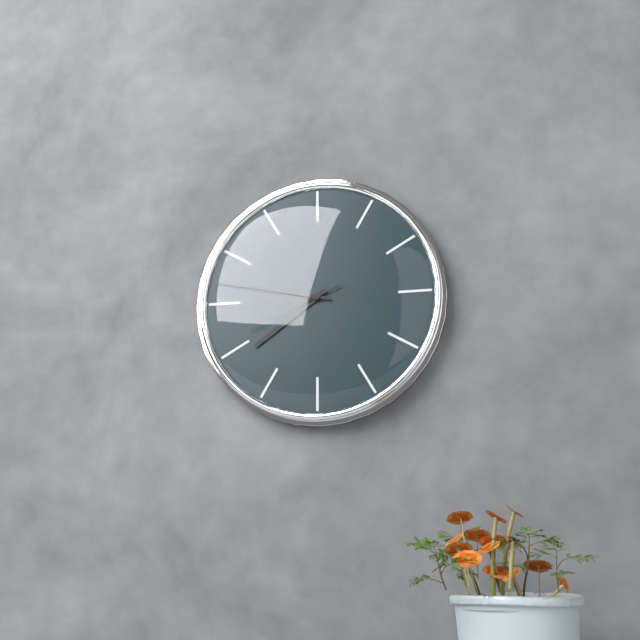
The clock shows 7.47.41
